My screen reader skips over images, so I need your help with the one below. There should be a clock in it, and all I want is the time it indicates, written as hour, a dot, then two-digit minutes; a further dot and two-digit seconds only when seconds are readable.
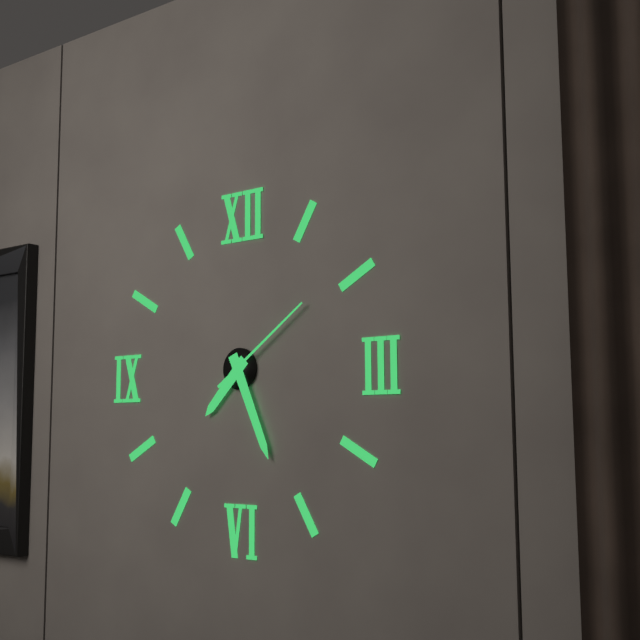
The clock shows 7.26.09
